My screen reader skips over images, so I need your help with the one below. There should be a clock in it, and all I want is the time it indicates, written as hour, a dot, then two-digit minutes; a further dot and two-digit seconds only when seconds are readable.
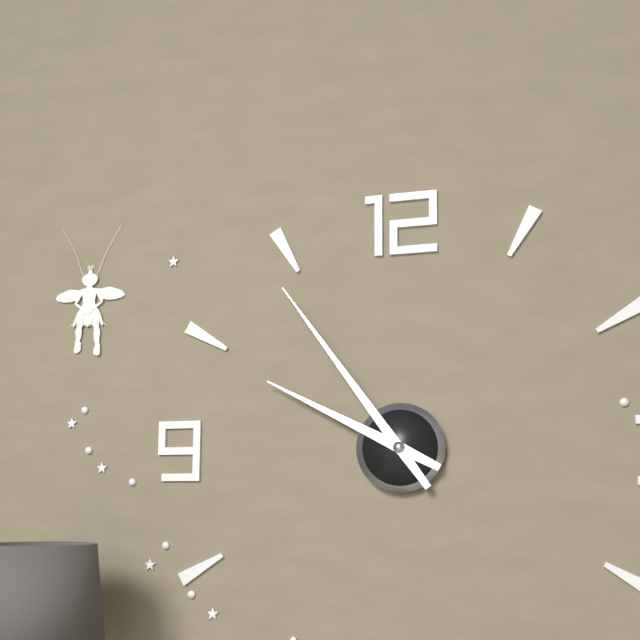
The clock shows 9.54
